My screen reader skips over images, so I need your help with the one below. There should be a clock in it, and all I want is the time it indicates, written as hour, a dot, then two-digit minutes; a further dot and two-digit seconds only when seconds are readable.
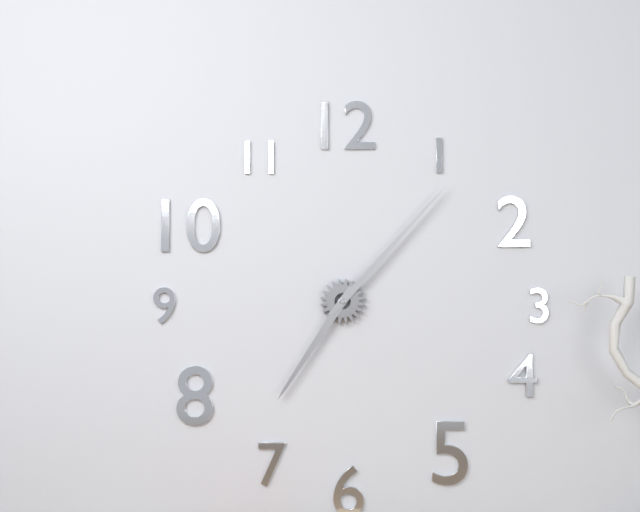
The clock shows 7.07
